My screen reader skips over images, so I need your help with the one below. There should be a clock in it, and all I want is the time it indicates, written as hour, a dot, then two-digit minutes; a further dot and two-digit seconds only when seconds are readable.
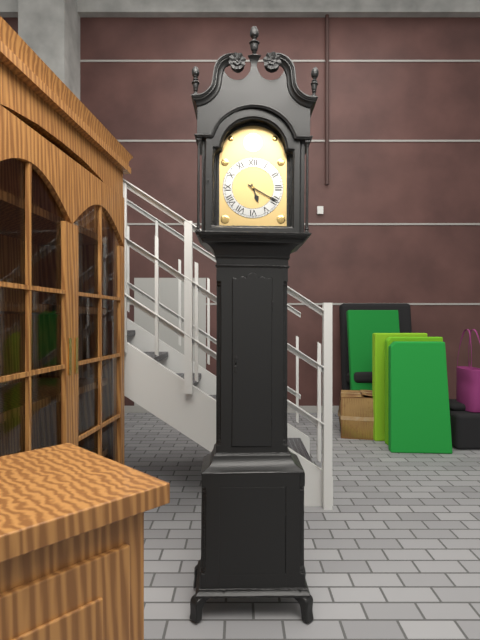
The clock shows 5.20
